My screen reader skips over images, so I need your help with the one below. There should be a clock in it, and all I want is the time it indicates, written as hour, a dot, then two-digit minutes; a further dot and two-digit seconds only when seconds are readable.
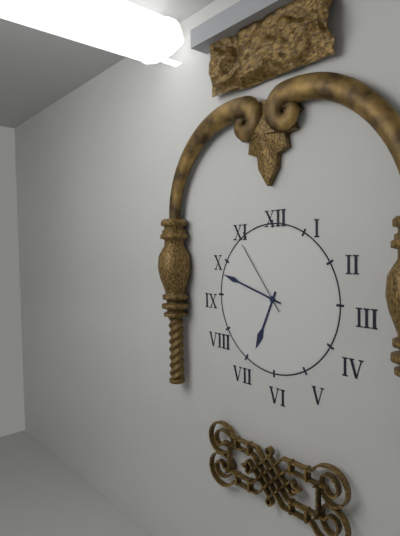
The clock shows 6.48.54
